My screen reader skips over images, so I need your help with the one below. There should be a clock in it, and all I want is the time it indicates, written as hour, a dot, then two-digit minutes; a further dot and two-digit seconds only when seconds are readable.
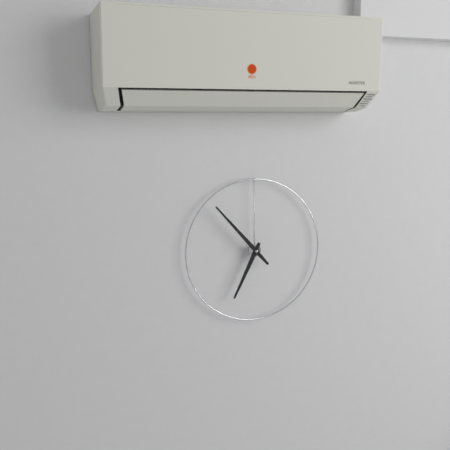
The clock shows 6.53
